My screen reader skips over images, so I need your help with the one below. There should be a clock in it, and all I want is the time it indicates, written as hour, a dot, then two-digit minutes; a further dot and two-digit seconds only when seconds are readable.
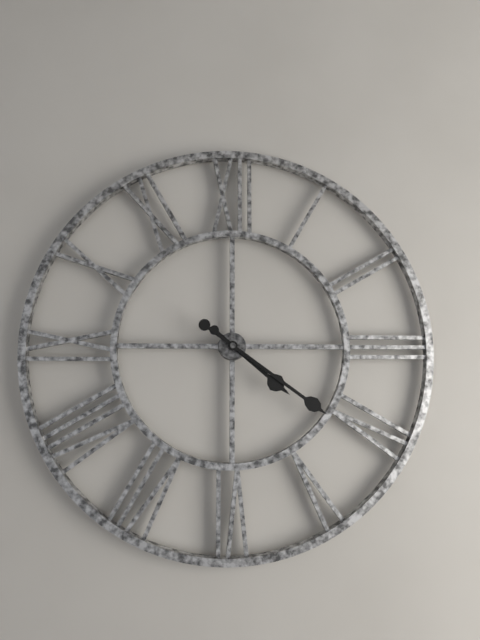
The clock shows 4.21
